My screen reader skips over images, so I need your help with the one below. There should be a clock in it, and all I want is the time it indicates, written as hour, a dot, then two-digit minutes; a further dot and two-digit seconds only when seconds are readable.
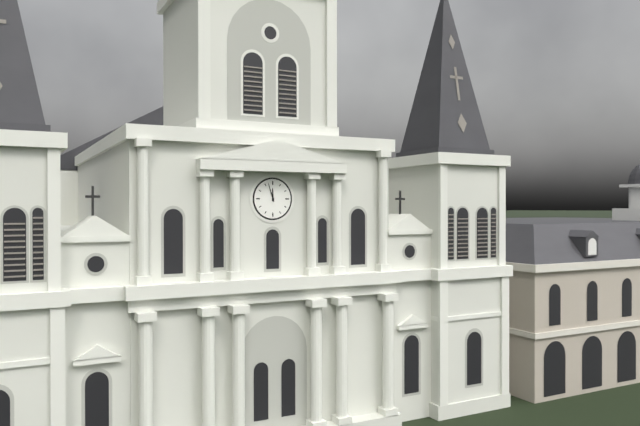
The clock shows 11.57
